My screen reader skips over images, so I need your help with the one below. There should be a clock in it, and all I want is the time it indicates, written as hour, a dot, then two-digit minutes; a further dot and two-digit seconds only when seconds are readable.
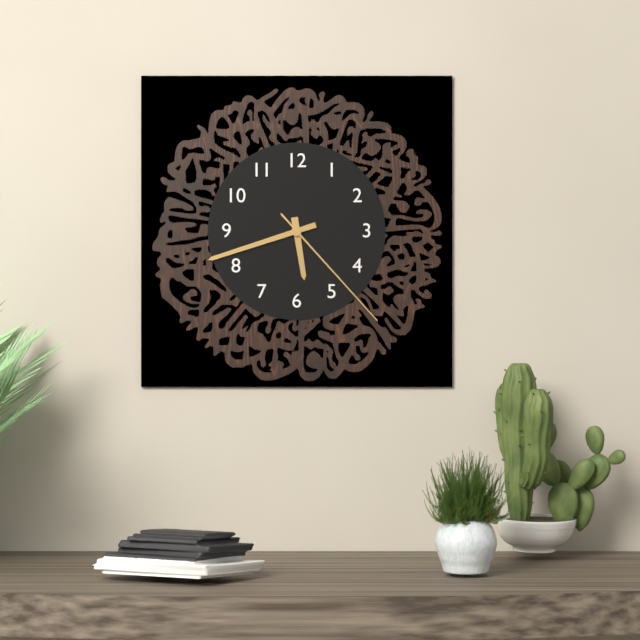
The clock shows 5.42.23
